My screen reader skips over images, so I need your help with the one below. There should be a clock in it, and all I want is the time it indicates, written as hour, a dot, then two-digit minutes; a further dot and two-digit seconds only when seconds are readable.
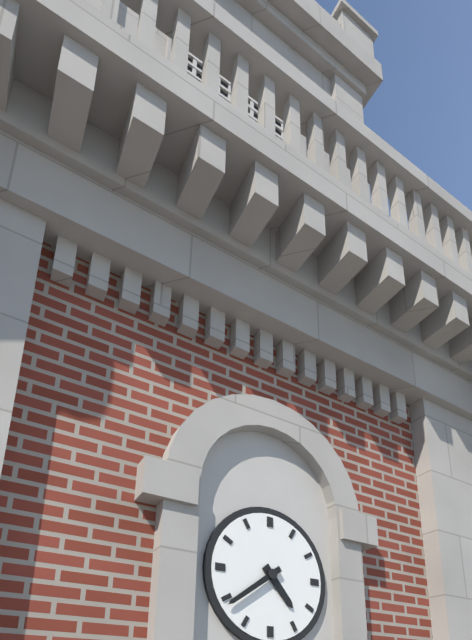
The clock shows 4.39
